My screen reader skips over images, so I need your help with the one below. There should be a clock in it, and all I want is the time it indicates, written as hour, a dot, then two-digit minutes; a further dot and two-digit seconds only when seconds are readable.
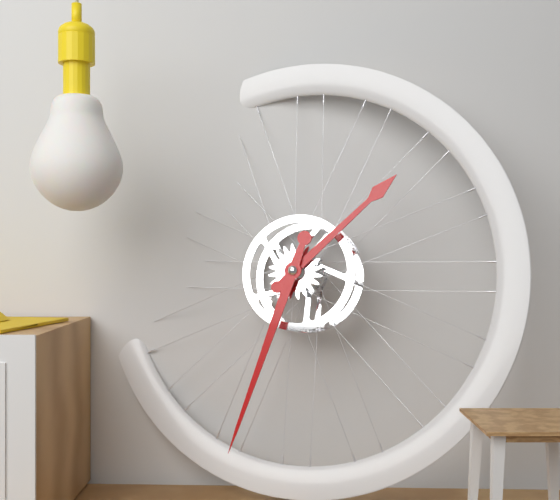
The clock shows 1.33
